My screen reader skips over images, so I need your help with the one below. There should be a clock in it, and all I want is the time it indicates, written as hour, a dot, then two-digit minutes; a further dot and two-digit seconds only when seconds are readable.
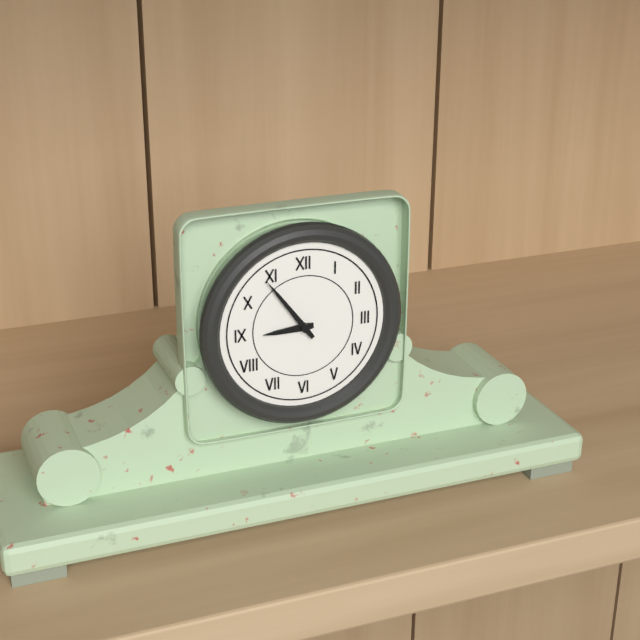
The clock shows 8.54
